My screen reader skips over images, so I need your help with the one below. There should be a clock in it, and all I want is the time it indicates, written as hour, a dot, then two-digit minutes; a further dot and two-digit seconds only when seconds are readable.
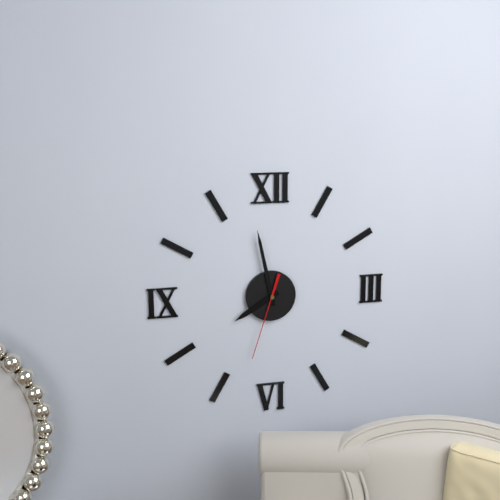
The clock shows 7.58.33
